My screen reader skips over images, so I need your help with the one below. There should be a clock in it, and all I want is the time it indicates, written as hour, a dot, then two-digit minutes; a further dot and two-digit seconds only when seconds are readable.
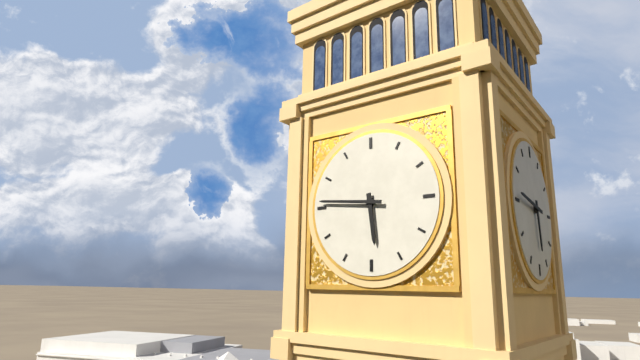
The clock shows 5.46
